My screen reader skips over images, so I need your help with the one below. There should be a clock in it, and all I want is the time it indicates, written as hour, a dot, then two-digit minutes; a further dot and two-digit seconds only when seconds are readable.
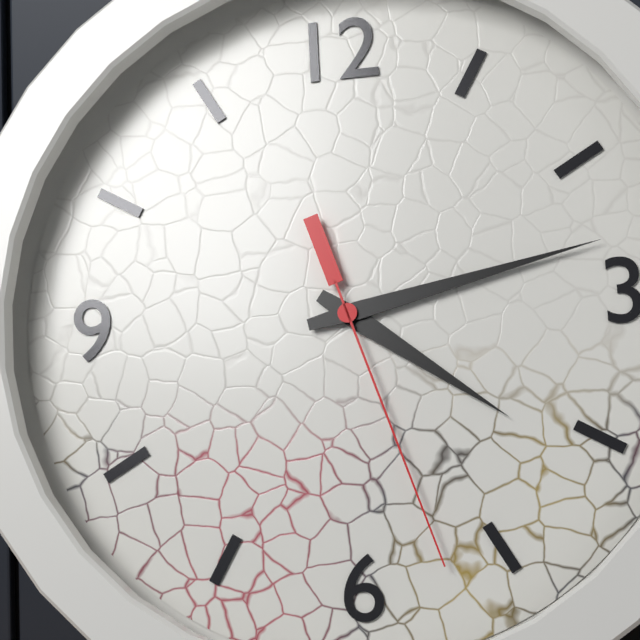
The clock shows 4.13.27
